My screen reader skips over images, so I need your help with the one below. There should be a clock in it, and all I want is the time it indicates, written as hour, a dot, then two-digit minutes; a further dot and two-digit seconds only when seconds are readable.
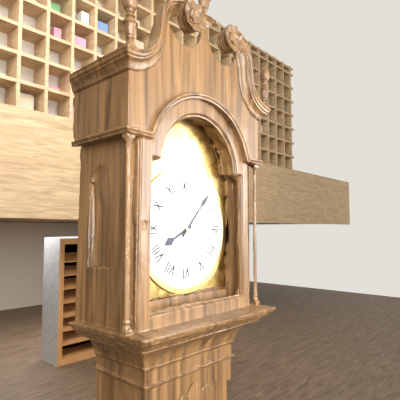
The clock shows 8.07
